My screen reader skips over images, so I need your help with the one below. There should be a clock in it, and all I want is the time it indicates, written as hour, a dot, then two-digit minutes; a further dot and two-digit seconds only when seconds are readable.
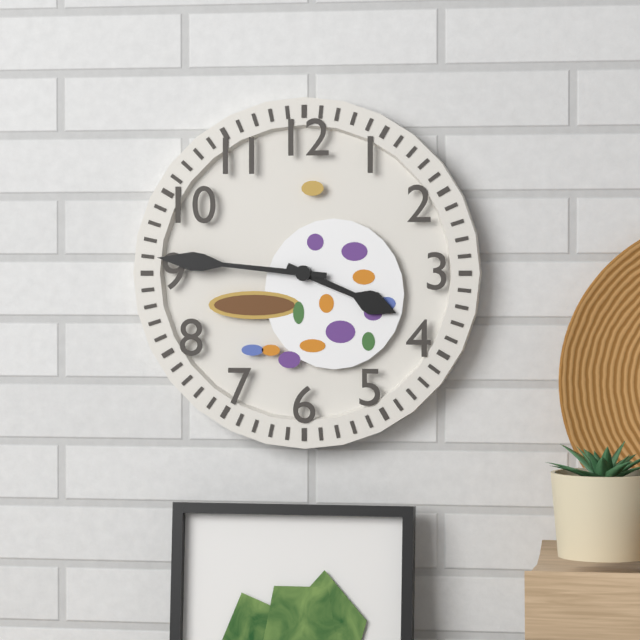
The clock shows 3.46
